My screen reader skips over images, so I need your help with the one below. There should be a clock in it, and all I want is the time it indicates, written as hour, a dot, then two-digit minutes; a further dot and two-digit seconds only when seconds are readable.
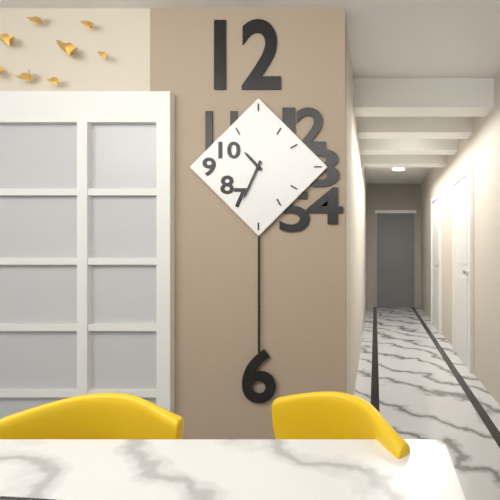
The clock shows 10.34
